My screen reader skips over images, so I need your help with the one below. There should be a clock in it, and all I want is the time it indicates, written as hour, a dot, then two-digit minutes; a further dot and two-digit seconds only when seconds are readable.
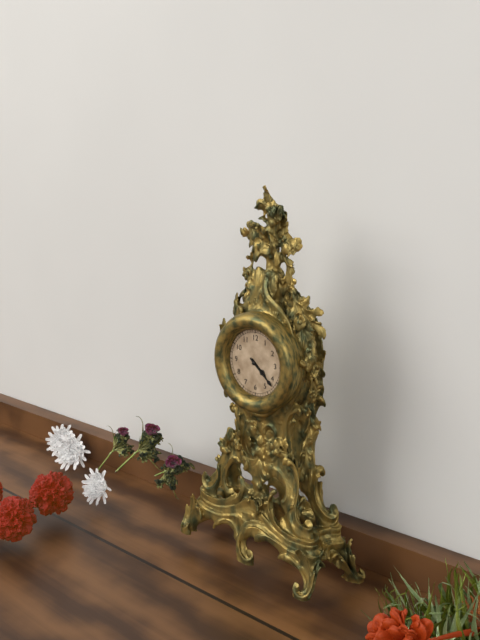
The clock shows 4.22
